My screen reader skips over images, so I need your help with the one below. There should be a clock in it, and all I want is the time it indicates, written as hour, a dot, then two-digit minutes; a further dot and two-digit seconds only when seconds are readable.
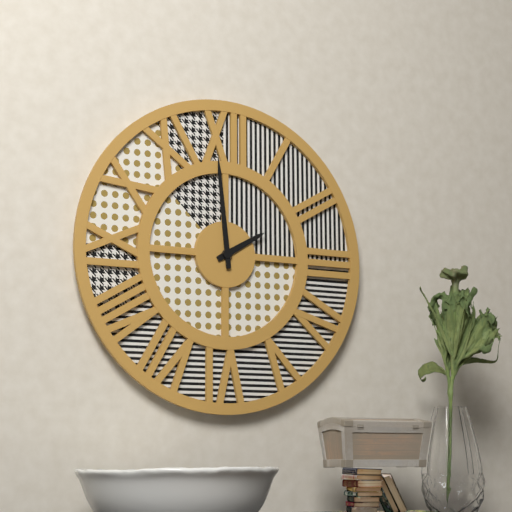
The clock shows 1.59
